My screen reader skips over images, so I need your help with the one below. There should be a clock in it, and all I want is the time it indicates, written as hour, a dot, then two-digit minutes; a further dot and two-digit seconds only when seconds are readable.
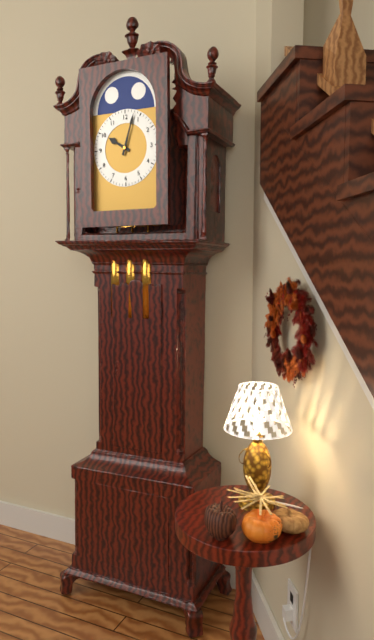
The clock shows 10.03
